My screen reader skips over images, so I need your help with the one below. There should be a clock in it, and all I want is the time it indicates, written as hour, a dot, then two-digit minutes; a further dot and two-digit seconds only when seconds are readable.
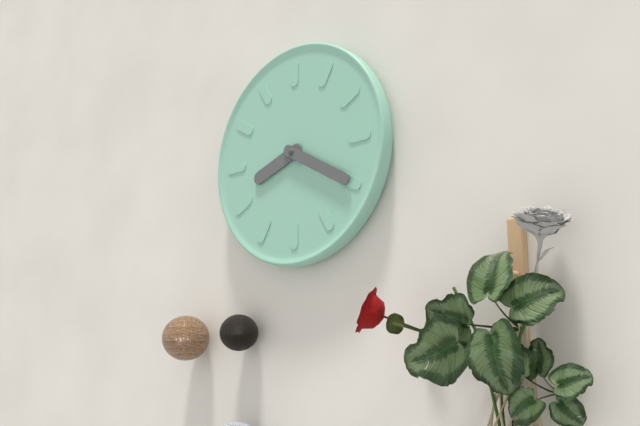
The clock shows 8.20
